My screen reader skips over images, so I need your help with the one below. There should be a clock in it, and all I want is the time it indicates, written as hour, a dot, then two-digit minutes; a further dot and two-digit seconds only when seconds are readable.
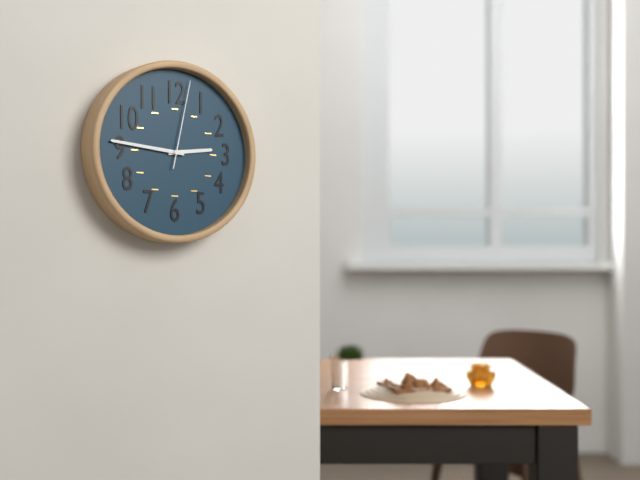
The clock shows 2.46.02
